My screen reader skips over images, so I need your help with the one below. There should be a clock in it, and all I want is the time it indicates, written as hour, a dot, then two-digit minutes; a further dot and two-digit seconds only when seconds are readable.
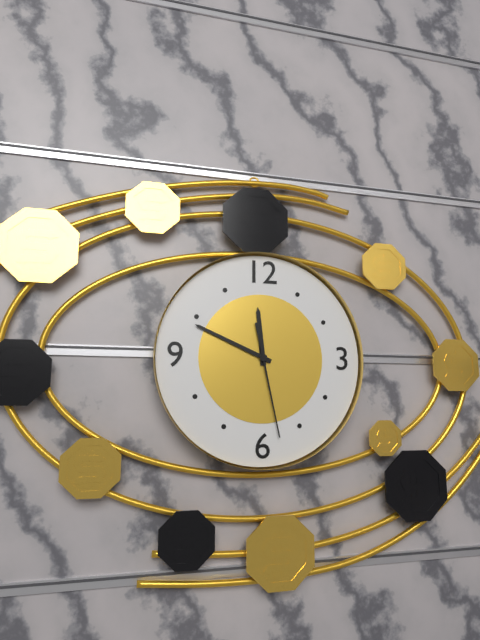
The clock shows 11.49.28
